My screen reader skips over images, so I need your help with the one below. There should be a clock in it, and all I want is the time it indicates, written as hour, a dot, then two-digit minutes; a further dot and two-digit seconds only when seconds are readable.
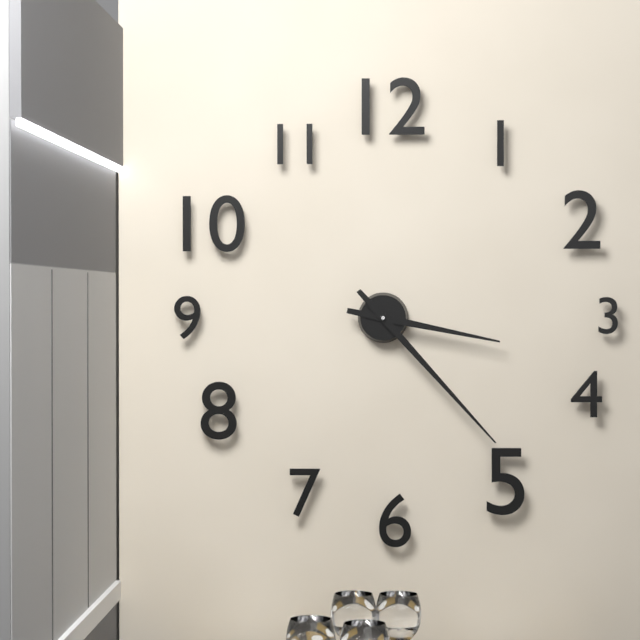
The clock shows 3.23
